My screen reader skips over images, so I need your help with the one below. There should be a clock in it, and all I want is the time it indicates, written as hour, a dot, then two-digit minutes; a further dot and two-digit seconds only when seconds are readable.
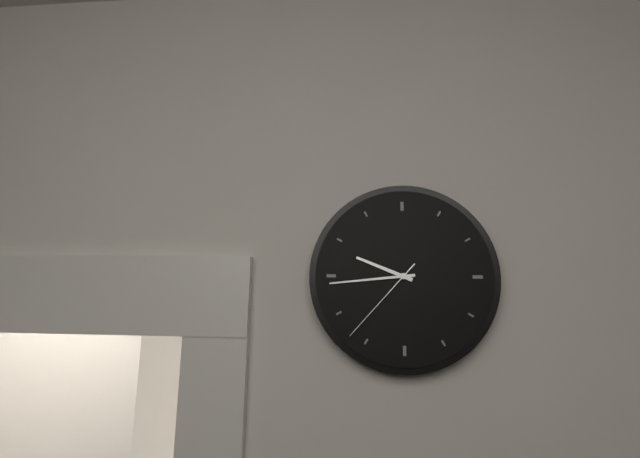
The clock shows 9.44.37
